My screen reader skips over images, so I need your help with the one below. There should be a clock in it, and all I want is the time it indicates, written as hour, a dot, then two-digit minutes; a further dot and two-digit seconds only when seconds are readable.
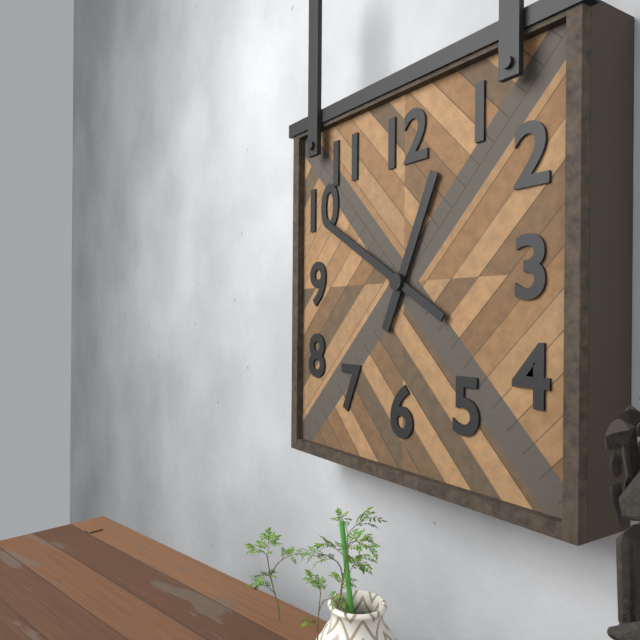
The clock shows 12.50
